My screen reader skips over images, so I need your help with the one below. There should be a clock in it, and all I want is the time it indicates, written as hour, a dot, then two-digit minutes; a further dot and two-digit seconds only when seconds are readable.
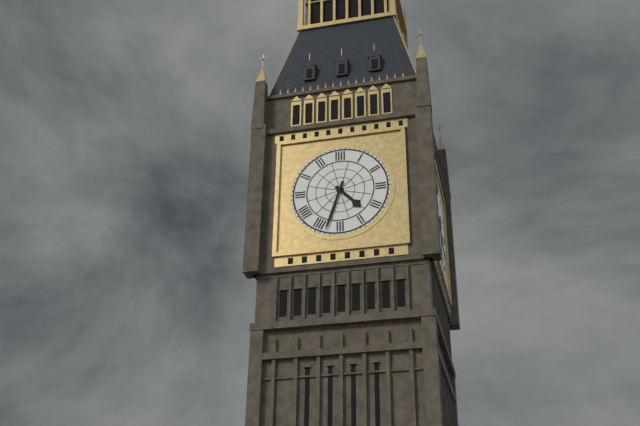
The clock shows 4.33
